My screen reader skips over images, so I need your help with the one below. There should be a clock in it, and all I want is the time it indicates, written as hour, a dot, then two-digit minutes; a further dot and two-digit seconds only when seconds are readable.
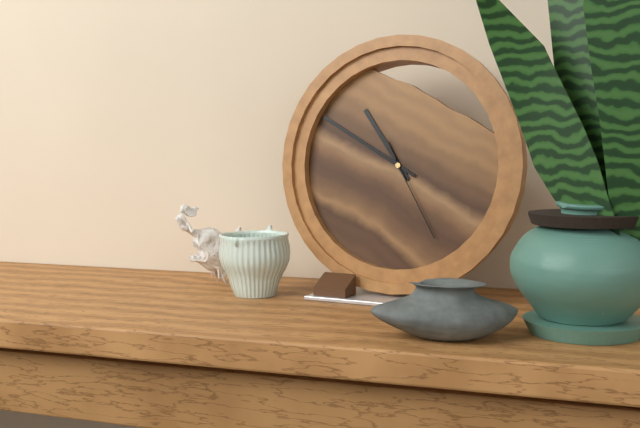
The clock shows 10.50.25
